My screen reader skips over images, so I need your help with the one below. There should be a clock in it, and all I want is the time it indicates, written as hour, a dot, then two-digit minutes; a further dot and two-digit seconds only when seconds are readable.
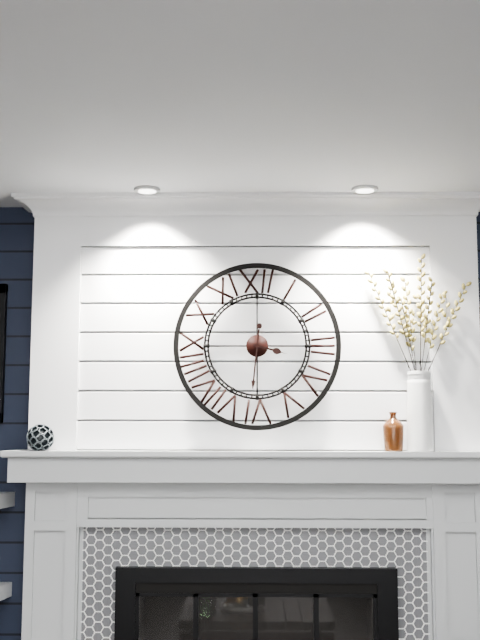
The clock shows 3.31
